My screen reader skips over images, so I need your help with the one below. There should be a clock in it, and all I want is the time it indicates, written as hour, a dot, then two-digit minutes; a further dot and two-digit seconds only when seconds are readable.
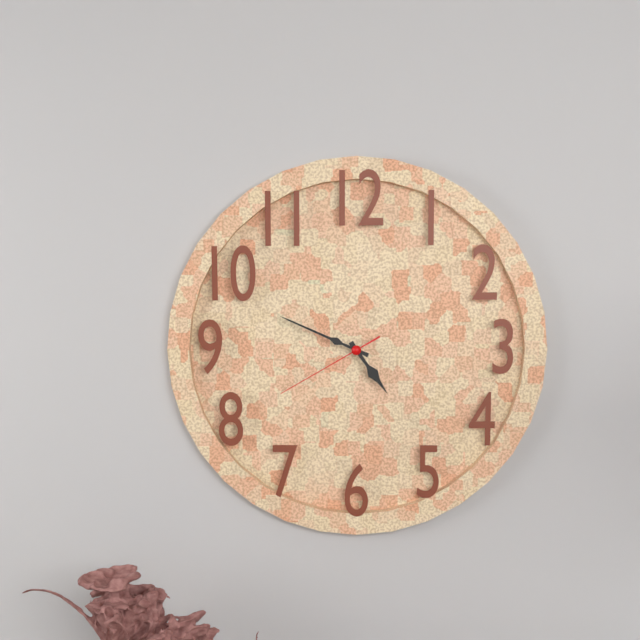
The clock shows 4.49.40
